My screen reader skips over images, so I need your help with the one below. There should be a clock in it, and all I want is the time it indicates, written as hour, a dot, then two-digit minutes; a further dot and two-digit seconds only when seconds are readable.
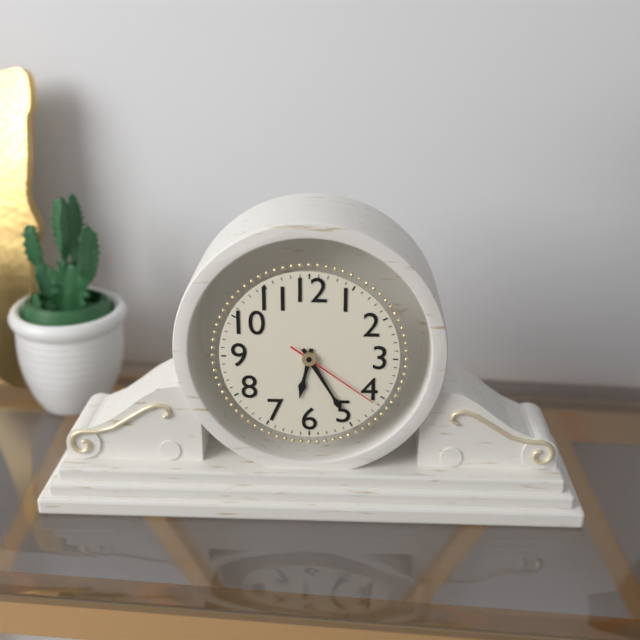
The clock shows 6.25.21
